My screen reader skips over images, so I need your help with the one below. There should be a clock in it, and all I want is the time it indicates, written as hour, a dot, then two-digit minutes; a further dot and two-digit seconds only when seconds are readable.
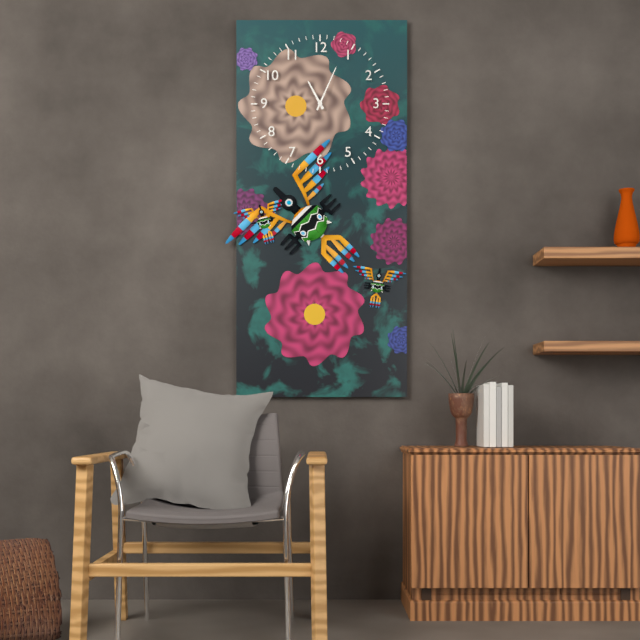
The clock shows 11.04
